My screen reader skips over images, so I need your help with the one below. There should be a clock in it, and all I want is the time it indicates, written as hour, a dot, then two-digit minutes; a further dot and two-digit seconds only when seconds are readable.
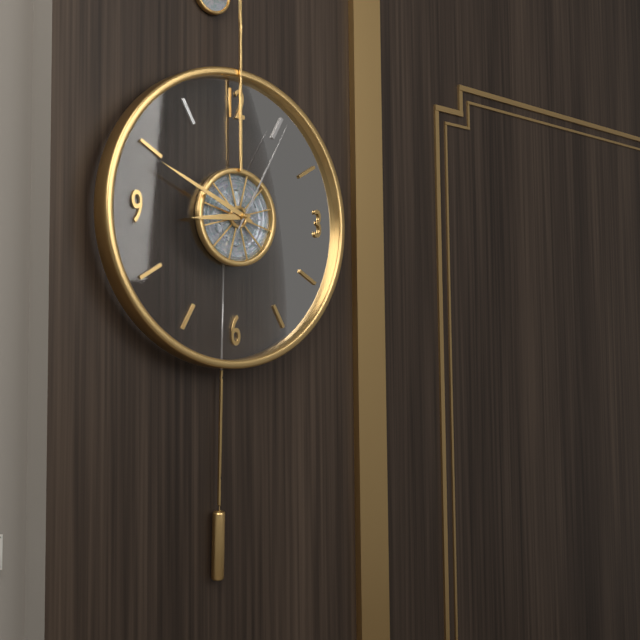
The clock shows 8.49.05
